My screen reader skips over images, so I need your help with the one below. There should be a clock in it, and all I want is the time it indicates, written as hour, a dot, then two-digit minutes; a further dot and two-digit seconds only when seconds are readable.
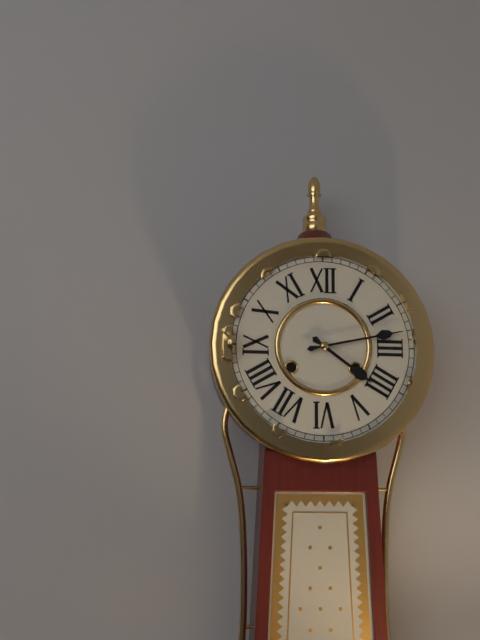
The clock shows 4.13
